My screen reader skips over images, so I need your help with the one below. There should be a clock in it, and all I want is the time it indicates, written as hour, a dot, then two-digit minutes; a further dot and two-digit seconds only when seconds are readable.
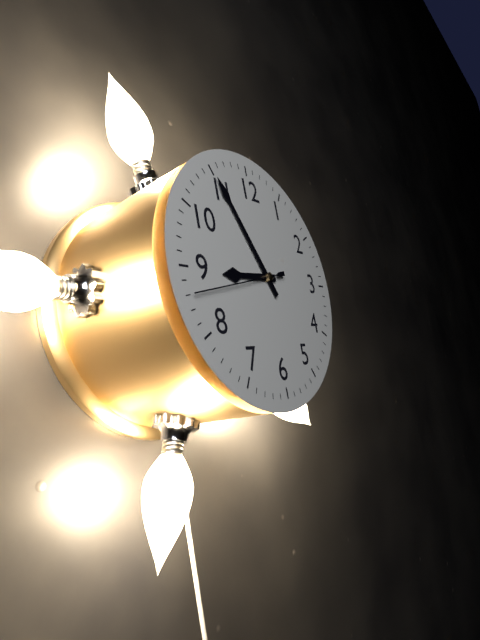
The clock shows 8.55.43
